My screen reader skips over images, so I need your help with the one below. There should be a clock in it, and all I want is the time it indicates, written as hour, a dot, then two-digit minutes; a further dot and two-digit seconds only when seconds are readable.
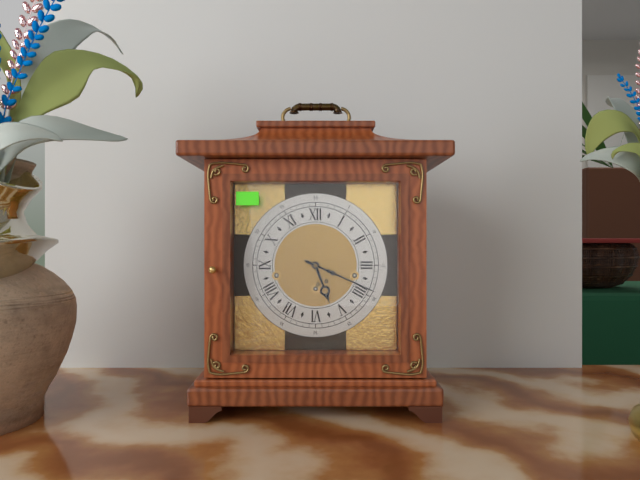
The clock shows 5.19
